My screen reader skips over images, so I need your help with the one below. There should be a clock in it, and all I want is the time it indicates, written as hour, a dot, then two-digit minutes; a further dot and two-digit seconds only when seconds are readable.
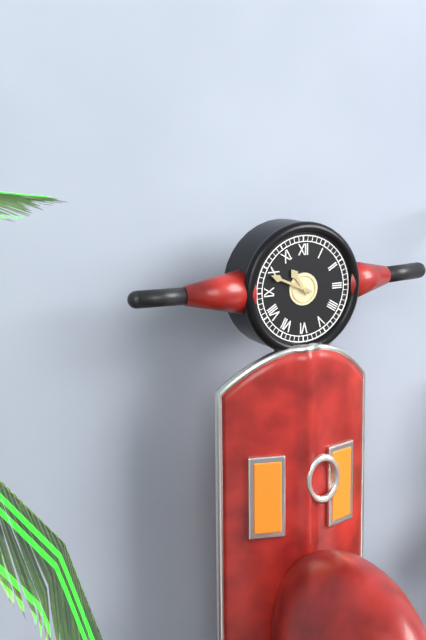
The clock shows 10.49
